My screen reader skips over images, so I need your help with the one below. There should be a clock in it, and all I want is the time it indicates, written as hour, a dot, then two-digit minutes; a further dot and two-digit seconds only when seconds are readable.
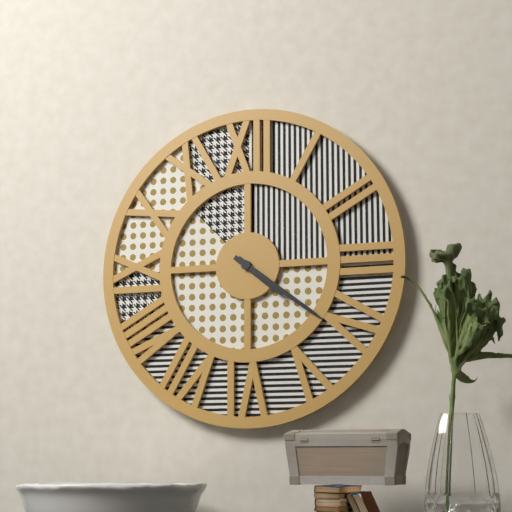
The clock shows 4.21
